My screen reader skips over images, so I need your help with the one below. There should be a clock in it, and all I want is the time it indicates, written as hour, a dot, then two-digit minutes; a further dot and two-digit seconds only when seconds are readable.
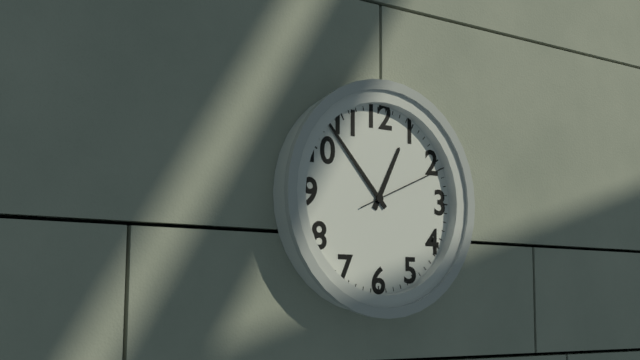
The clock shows 12.53.11
